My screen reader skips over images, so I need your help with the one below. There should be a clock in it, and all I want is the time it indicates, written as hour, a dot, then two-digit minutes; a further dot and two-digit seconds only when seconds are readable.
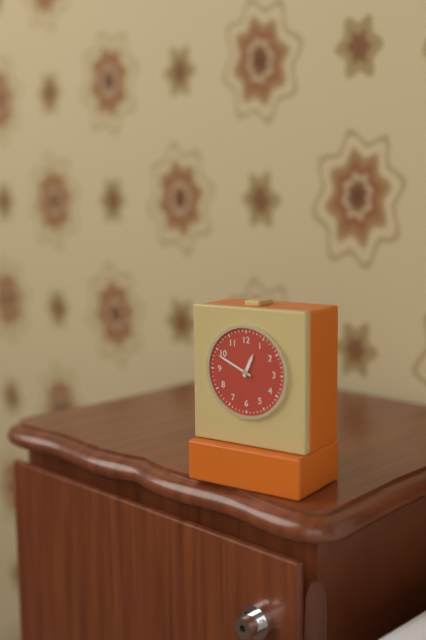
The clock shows 12.49
